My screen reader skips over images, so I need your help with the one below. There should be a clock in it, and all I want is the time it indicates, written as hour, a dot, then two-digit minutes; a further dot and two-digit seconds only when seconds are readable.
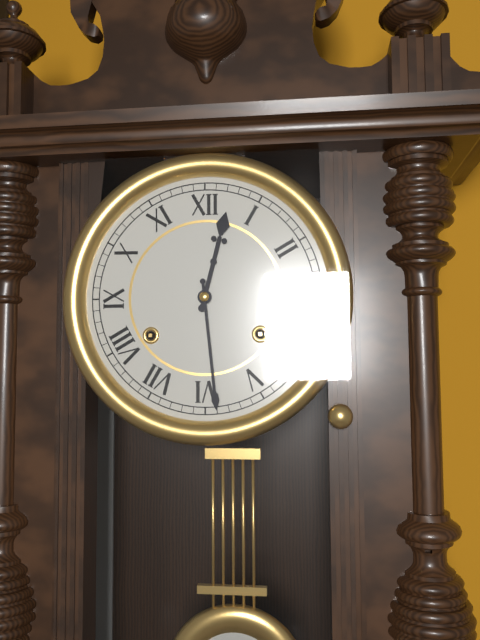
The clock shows 12.29
